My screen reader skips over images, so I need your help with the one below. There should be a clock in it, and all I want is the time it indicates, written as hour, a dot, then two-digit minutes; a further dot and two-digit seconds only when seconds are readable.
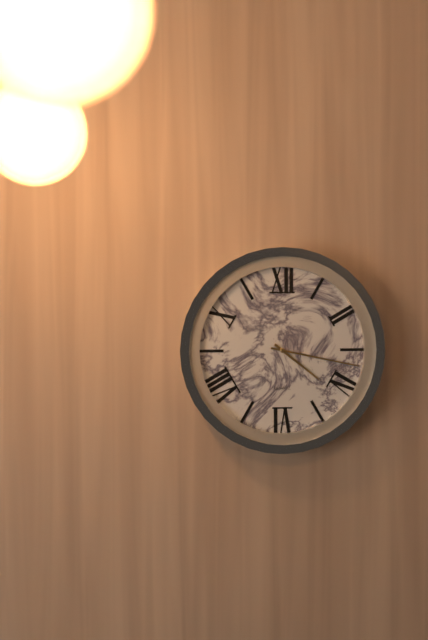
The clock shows 4.17
